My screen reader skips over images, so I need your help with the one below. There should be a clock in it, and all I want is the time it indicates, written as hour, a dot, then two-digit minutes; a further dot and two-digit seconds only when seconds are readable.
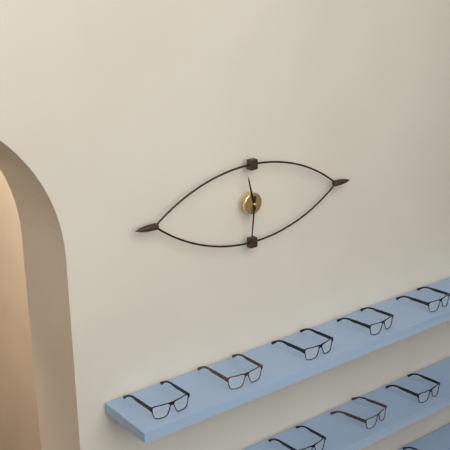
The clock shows 11.31
